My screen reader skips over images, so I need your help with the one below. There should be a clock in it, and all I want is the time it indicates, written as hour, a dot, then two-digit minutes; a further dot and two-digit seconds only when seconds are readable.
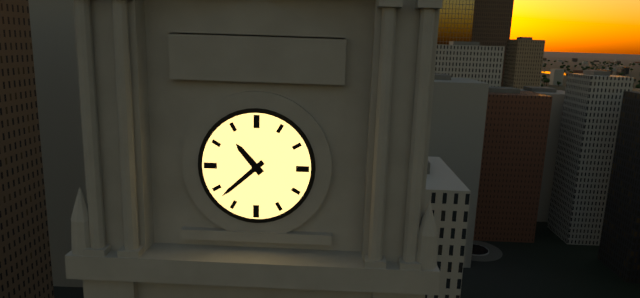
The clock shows 10.38
